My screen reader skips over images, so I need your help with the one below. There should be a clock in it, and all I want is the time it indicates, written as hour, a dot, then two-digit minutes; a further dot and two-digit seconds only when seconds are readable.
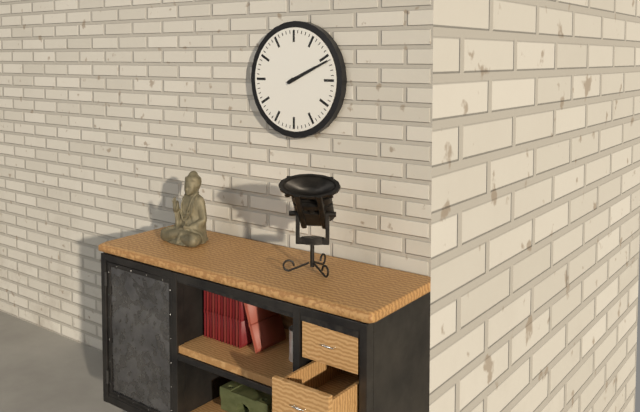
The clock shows 2.11
